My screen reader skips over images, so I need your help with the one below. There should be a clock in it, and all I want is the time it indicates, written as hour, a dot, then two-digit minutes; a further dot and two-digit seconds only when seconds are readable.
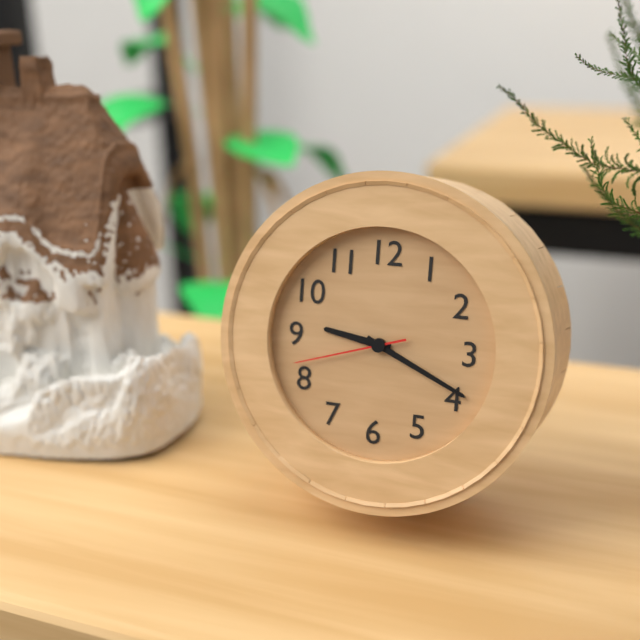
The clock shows 9.19.42
